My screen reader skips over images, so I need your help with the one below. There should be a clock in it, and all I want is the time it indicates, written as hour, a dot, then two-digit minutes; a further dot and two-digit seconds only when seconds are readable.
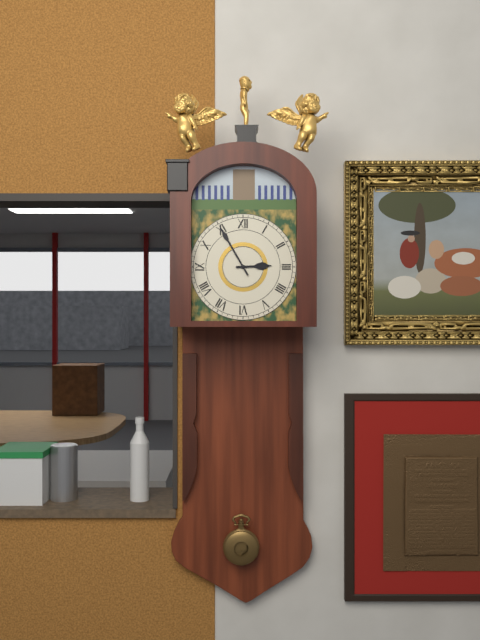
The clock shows 2.55
